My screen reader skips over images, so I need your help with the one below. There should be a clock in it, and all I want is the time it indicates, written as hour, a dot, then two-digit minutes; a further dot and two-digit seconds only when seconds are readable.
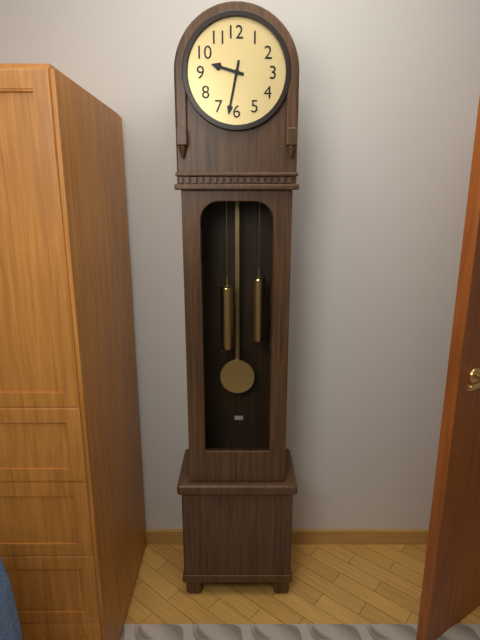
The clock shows 9.32
